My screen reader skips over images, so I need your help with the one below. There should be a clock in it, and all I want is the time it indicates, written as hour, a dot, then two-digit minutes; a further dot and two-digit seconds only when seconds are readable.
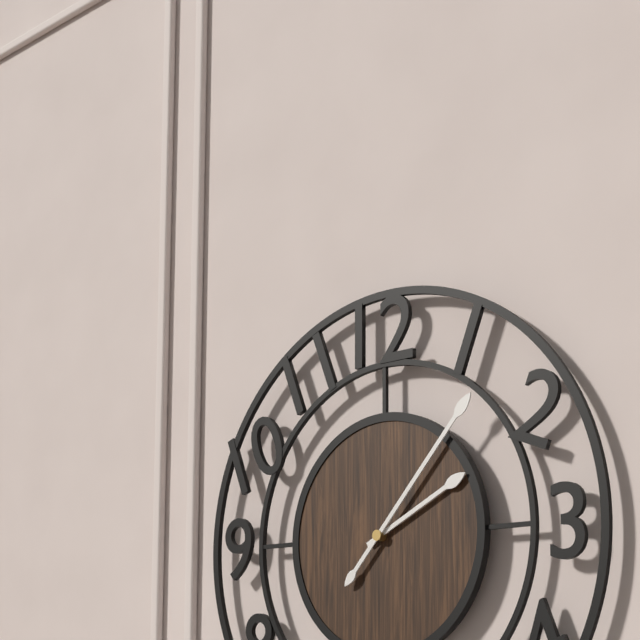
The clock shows 2.07
